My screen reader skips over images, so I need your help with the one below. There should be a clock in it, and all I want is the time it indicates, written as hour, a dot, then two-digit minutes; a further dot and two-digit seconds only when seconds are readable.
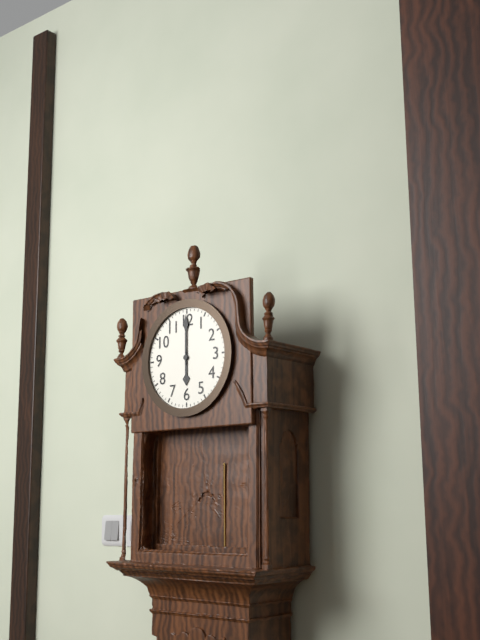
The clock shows 6.00
